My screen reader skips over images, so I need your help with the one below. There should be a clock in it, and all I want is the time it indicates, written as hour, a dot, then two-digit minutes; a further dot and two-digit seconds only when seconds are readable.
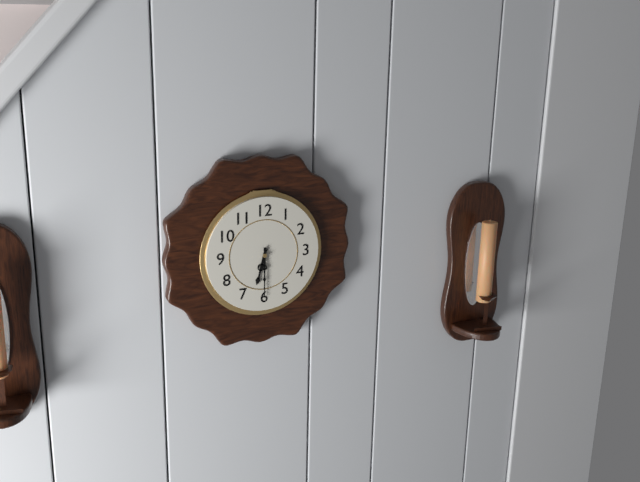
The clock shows 6.30
